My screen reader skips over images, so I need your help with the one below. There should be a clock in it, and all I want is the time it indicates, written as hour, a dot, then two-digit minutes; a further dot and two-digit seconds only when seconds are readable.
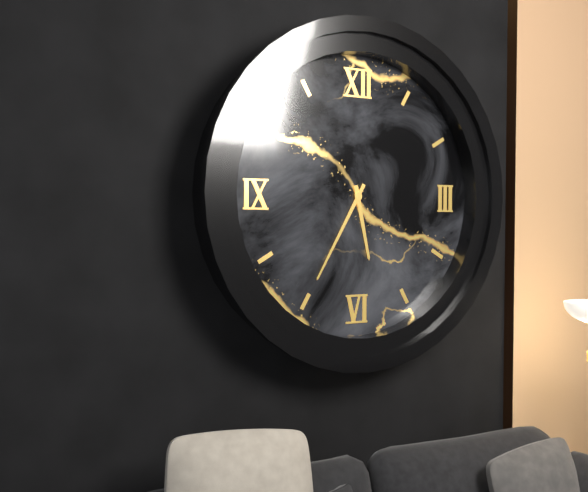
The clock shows 5.35
